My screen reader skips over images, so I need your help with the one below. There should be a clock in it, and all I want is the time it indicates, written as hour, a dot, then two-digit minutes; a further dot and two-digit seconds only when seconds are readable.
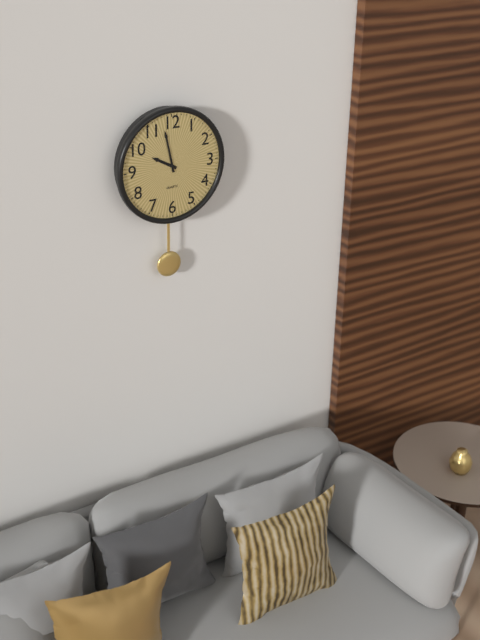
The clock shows 9.58
